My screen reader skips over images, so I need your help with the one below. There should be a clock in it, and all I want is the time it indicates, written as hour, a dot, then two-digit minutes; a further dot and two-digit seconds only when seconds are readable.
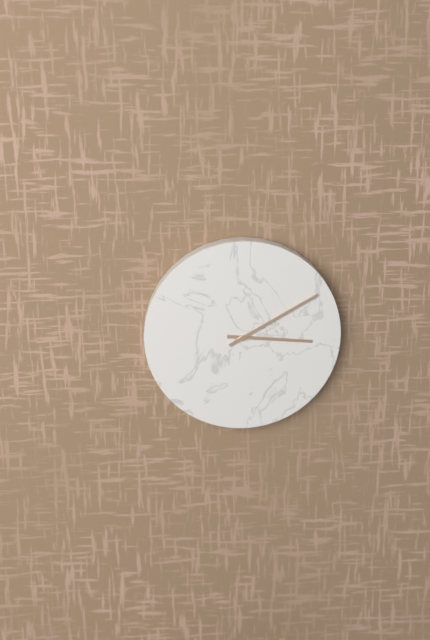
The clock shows 3.10
